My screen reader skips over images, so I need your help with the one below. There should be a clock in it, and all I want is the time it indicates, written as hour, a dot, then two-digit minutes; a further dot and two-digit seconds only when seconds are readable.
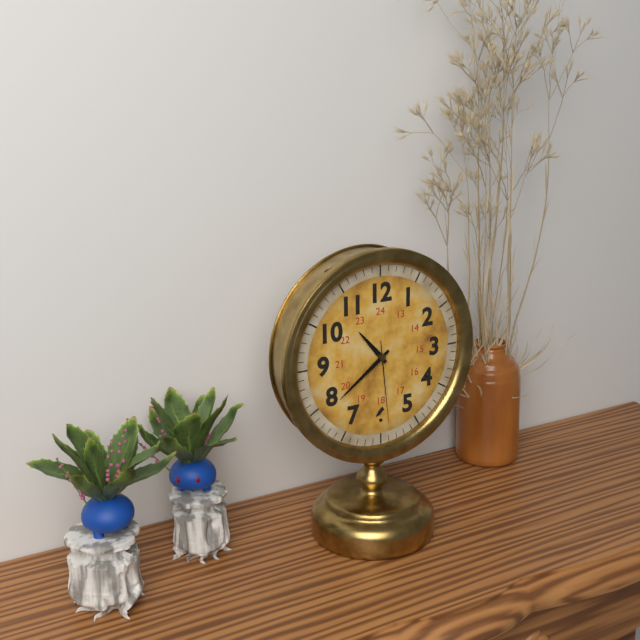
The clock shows 10.39.29
